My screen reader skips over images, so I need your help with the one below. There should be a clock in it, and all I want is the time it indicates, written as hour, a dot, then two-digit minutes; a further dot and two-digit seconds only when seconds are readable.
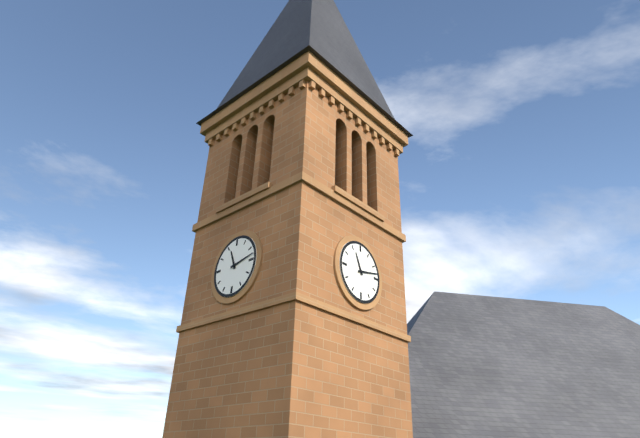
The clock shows 11.13
